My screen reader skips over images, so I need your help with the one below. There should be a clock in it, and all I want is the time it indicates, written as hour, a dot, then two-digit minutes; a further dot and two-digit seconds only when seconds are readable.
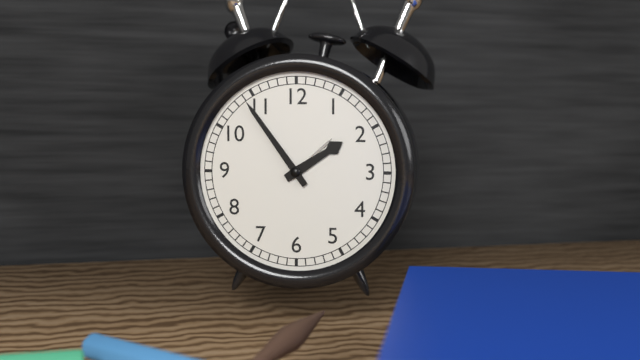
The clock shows 1.54
